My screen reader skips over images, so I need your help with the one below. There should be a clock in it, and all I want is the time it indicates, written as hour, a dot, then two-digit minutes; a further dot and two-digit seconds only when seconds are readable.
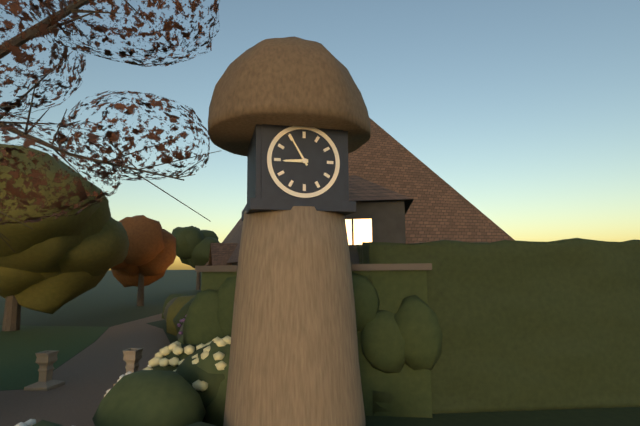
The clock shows 8.55
